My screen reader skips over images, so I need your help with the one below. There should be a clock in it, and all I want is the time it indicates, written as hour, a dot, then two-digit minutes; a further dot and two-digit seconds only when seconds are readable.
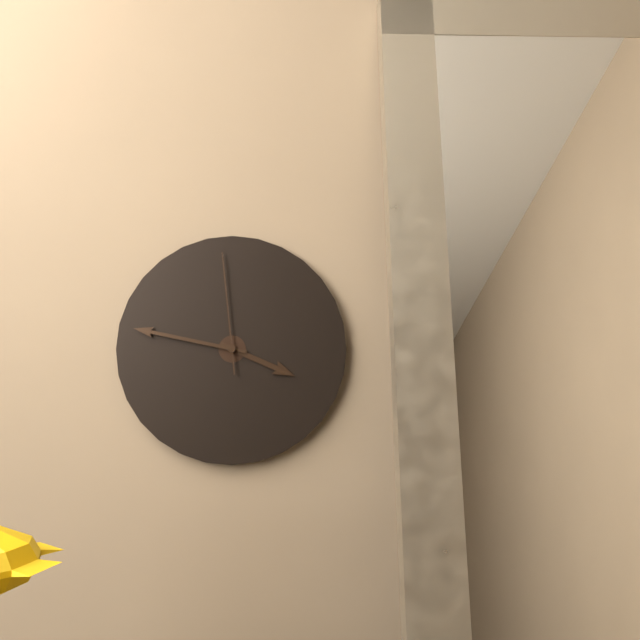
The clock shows 3.47.59
